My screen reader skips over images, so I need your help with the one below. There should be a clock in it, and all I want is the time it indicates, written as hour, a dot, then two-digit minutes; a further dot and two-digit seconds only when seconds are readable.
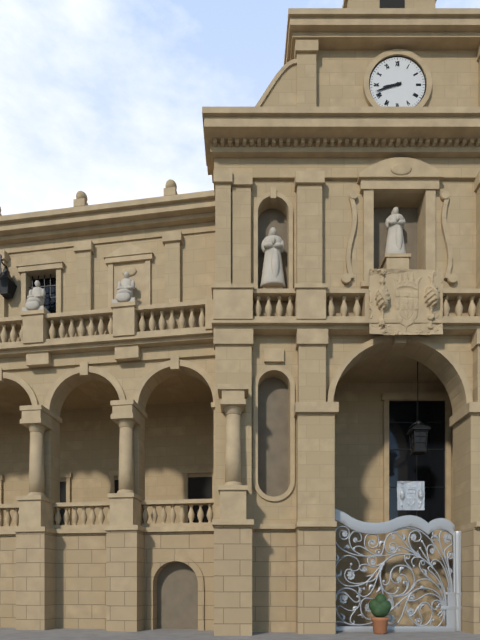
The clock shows 8.42
